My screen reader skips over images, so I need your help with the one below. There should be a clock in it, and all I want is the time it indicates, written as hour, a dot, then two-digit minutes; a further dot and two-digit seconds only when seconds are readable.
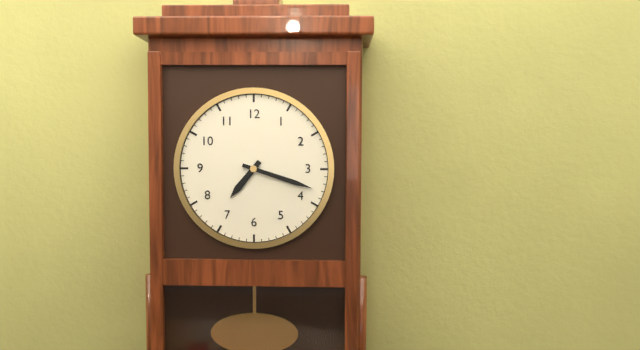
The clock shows 7.18
